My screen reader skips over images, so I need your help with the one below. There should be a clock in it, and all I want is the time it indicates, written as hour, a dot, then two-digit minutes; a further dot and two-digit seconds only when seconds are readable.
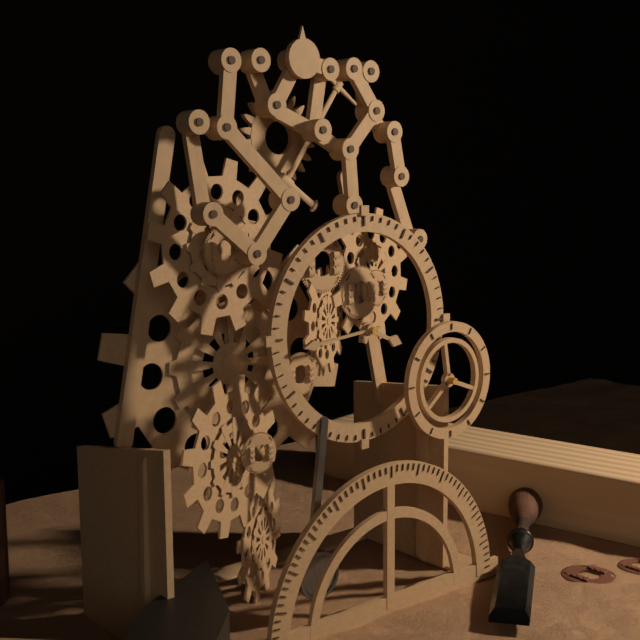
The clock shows 3.44
